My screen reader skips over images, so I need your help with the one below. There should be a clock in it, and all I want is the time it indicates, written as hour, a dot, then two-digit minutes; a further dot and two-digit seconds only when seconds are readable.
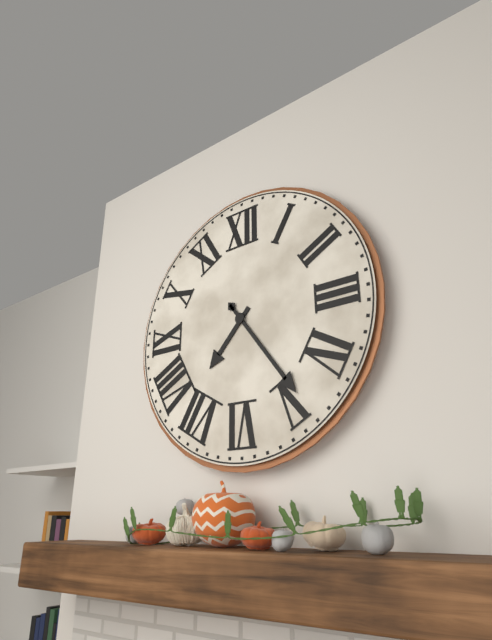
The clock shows 7.24
